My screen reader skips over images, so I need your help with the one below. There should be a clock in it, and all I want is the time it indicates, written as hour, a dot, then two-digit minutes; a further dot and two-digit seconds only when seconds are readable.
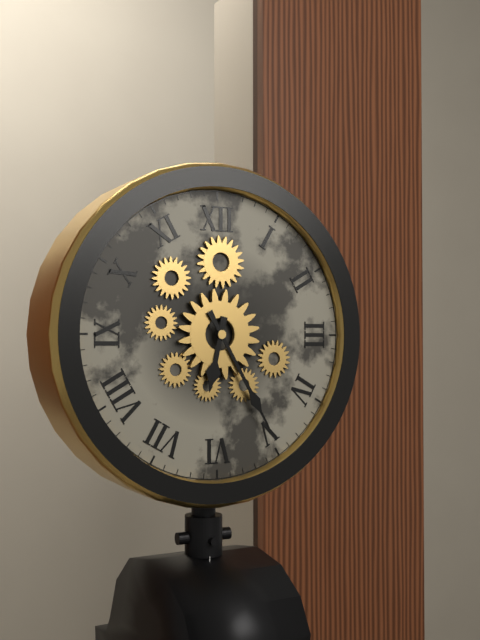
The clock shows 6.25
